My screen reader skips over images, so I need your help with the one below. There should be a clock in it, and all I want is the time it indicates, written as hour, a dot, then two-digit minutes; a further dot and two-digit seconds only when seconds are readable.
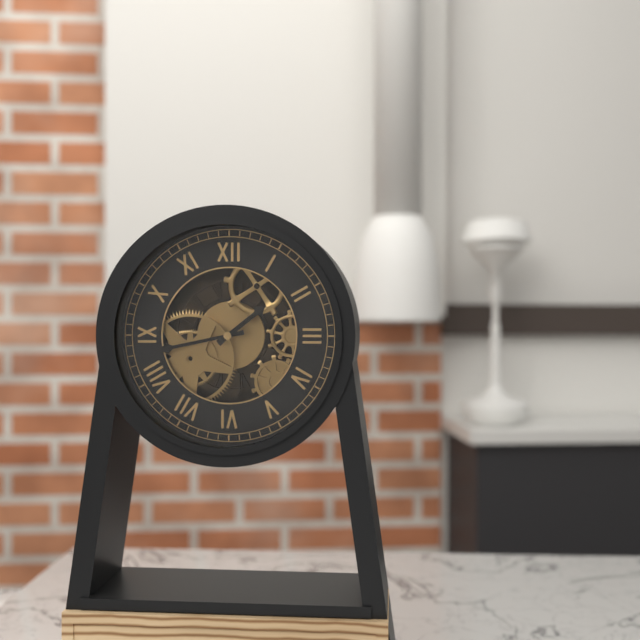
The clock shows 1.43
